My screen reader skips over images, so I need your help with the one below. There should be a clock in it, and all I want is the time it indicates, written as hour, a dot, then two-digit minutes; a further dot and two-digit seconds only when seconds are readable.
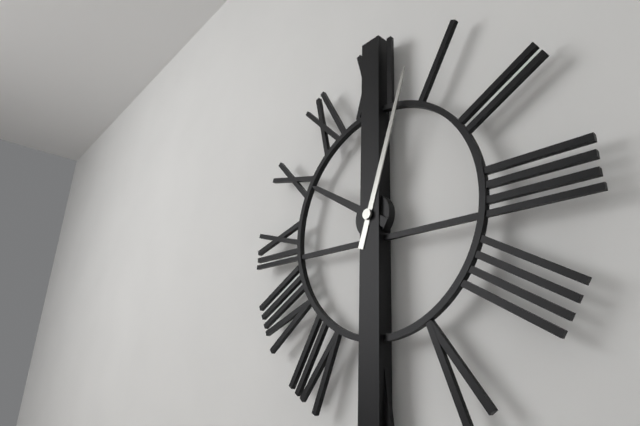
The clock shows 10.03
